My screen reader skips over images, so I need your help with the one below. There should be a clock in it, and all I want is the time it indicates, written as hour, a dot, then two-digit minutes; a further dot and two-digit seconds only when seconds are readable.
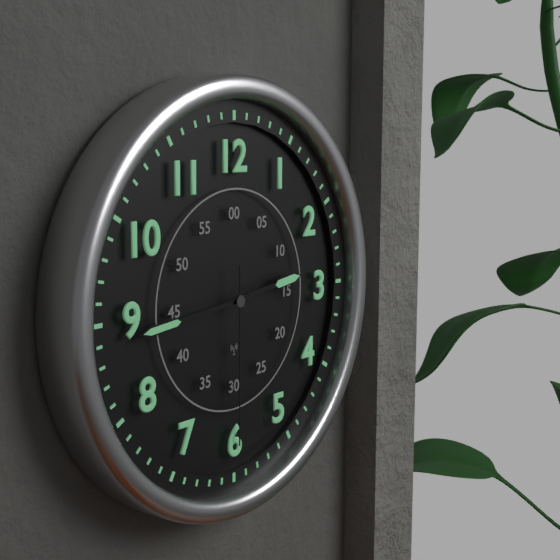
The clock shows 2.44.30
